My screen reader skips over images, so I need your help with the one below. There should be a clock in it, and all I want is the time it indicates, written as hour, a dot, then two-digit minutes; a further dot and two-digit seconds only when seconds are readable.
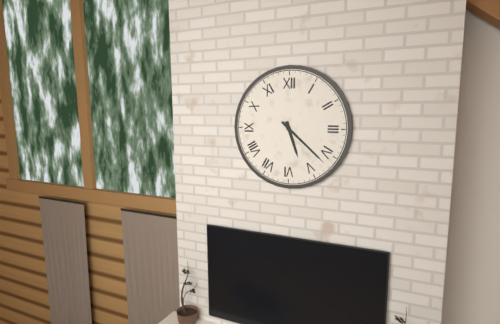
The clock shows 5.22
